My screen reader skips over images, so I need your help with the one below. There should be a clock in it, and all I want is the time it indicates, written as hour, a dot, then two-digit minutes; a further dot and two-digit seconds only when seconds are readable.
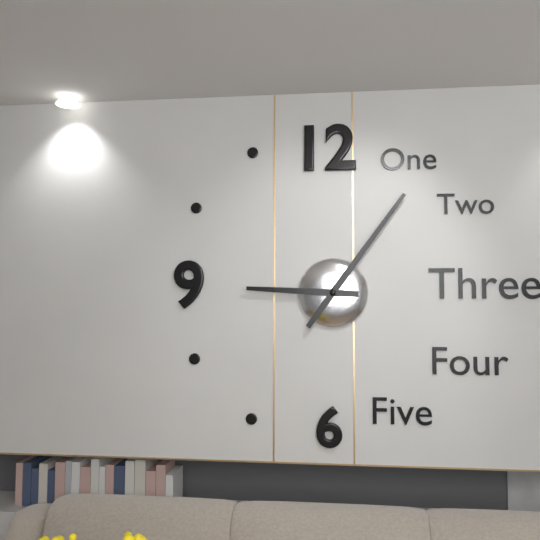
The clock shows 9.06
